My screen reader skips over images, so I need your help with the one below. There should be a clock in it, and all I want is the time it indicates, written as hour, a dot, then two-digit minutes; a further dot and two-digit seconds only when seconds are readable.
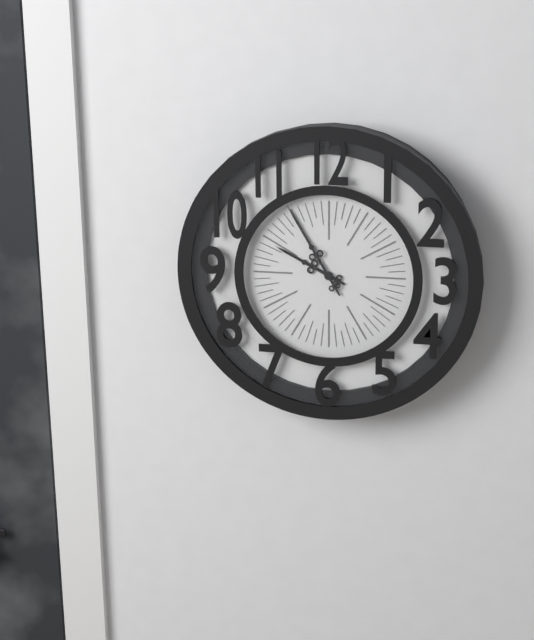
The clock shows 9.55
